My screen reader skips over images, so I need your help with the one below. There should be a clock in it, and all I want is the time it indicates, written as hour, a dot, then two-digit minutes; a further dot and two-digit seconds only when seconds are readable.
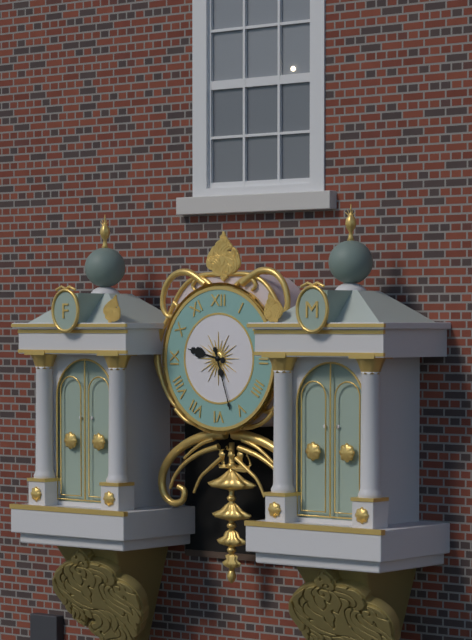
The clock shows 9.27
